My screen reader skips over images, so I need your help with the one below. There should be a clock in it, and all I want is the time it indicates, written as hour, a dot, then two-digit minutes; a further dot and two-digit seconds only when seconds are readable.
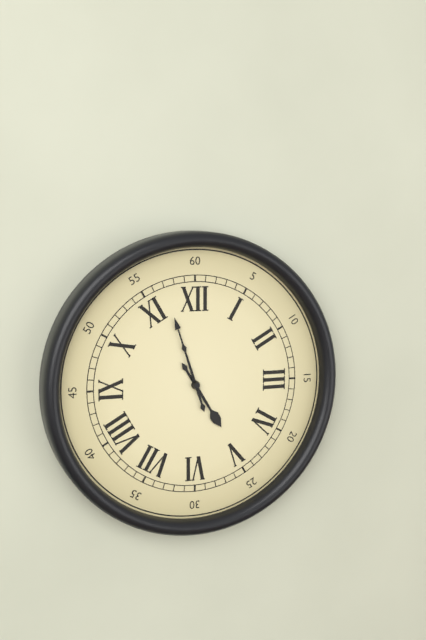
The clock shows 4.57
